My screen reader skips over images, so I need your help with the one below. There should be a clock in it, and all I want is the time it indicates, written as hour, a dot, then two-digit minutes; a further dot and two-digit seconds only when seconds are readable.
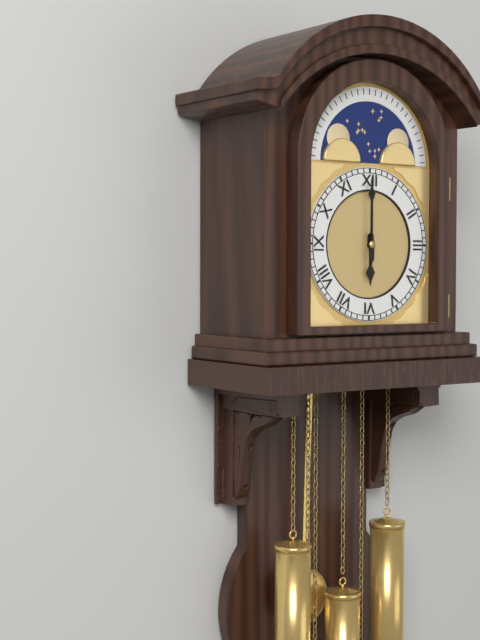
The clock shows 6.00
